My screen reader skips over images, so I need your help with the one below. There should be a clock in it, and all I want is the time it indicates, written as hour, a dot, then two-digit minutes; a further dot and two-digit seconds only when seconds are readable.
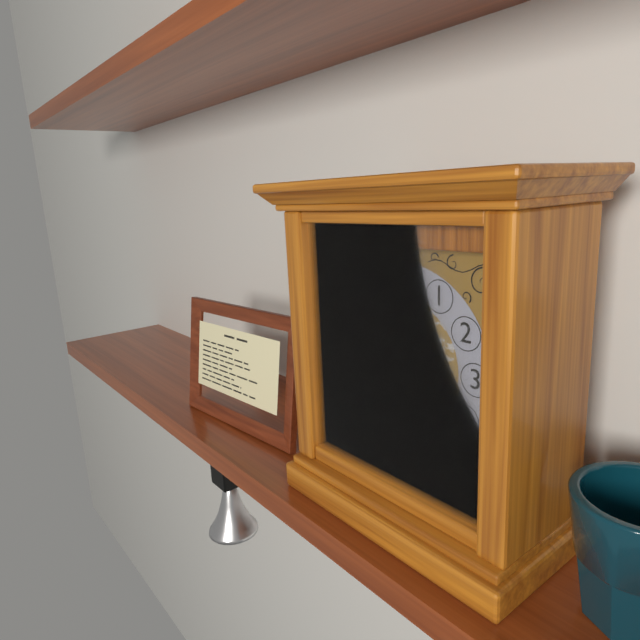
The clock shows 6.28
